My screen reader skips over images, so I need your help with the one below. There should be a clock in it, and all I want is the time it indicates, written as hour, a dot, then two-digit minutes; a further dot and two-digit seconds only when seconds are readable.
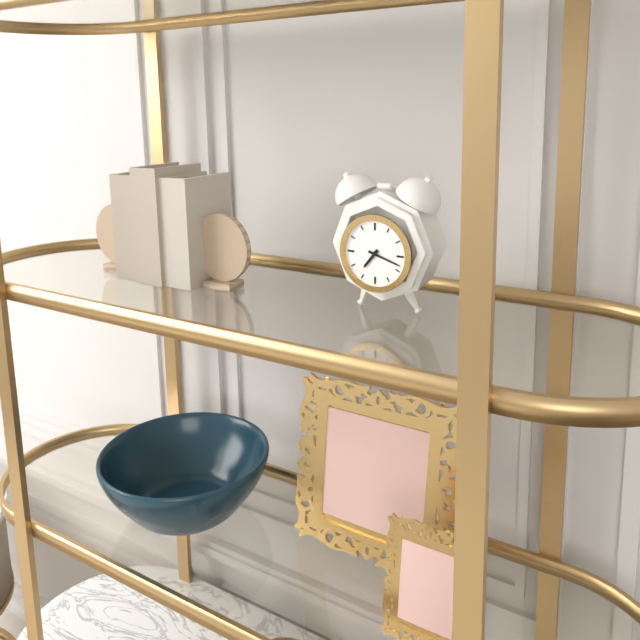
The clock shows 7.18
